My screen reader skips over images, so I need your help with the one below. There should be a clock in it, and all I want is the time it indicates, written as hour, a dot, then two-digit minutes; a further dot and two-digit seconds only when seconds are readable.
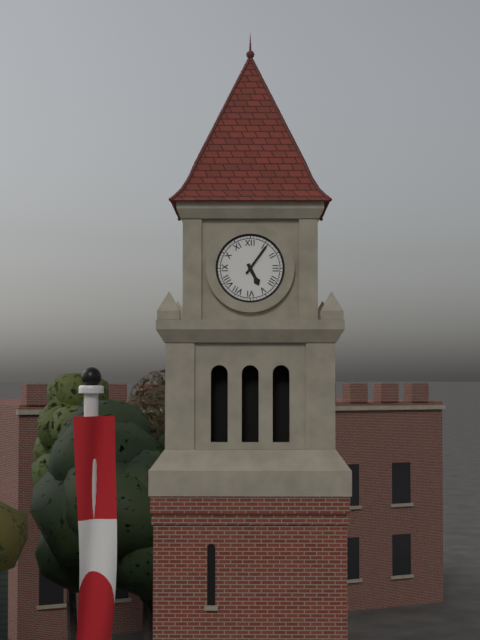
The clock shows 5.06
